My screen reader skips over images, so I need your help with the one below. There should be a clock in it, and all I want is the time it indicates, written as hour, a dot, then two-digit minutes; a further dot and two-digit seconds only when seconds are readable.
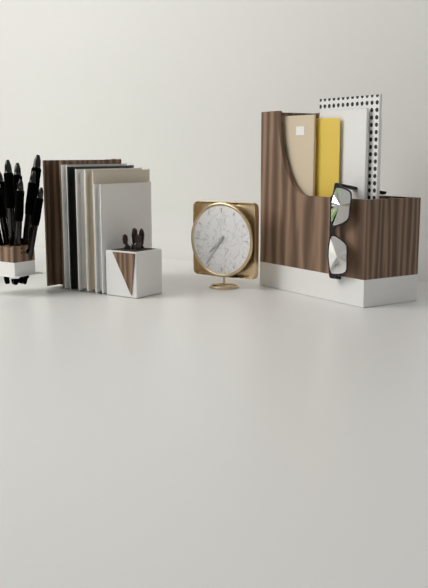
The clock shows 7.36
